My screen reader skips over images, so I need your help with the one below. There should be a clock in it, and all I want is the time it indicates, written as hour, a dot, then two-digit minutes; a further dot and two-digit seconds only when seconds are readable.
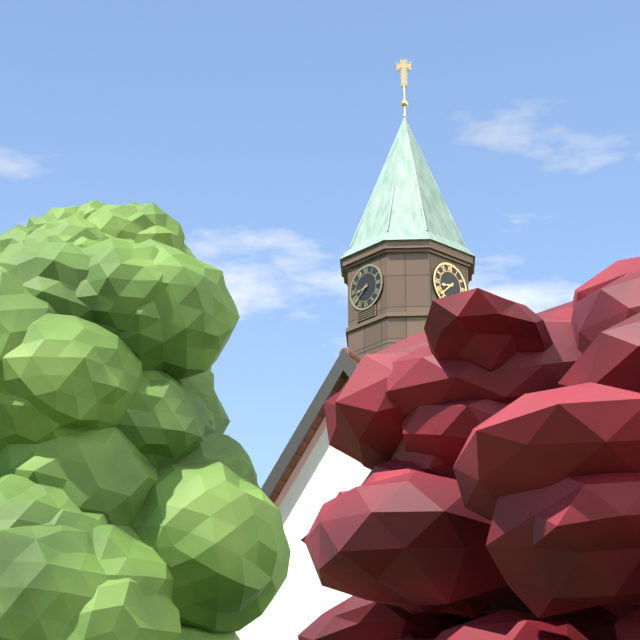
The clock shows 8.38
